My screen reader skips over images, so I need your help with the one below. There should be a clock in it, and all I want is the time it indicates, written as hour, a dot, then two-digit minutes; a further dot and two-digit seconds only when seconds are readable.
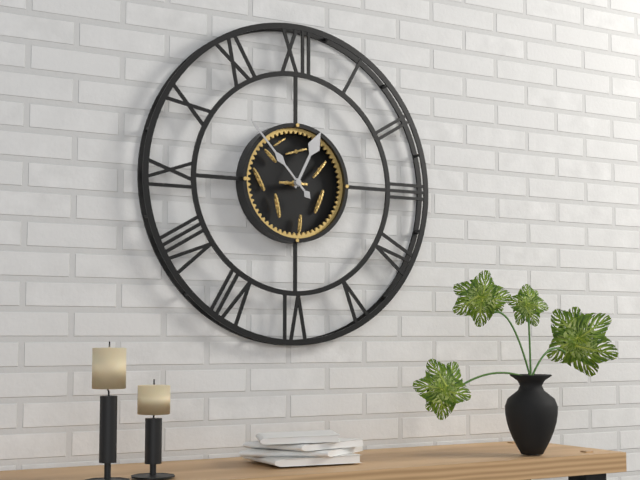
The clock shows 12.53
